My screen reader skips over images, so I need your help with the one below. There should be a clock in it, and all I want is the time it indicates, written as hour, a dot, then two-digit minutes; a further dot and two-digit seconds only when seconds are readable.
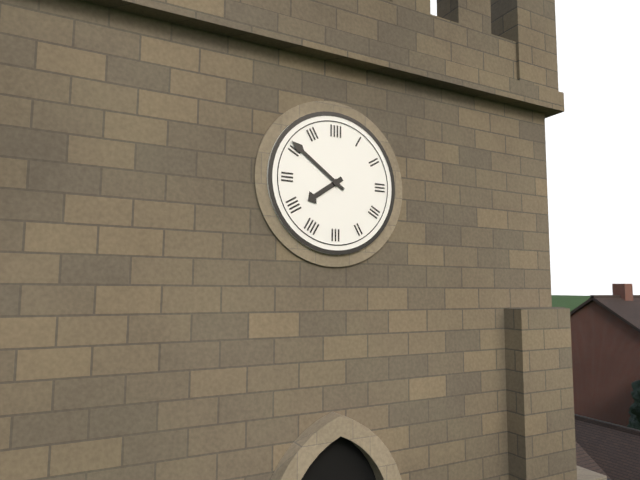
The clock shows 7.51
